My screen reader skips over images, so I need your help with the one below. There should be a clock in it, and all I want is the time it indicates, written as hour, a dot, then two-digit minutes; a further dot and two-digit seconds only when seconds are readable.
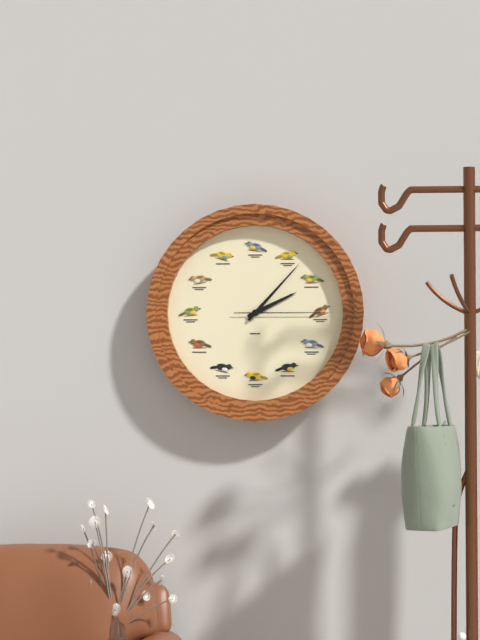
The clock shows 2.07.15
